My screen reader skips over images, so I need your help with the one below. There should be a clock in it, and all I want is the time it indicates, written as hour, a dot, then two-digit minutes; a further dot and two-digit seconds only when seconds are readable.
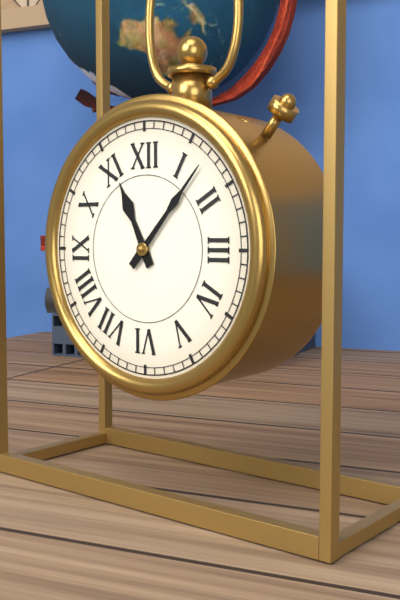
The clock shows 11.07
